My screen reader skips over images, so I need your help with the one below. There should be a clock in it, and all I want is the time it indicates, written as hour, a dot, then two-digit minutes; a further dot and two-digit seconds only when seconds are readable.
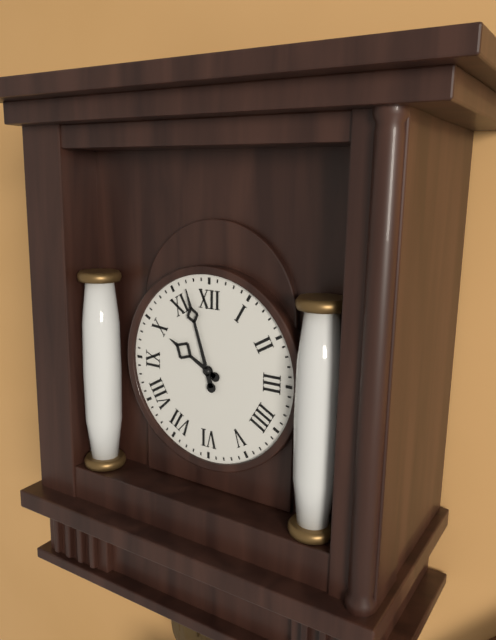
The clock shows 9.57
